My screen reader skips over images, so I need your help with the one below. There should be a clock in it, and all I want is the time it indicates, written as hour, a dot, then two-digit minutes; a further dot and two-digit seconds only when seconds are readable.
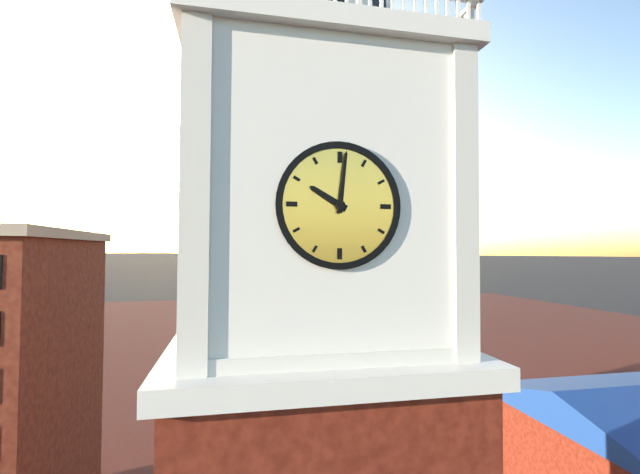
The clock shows 10.01
